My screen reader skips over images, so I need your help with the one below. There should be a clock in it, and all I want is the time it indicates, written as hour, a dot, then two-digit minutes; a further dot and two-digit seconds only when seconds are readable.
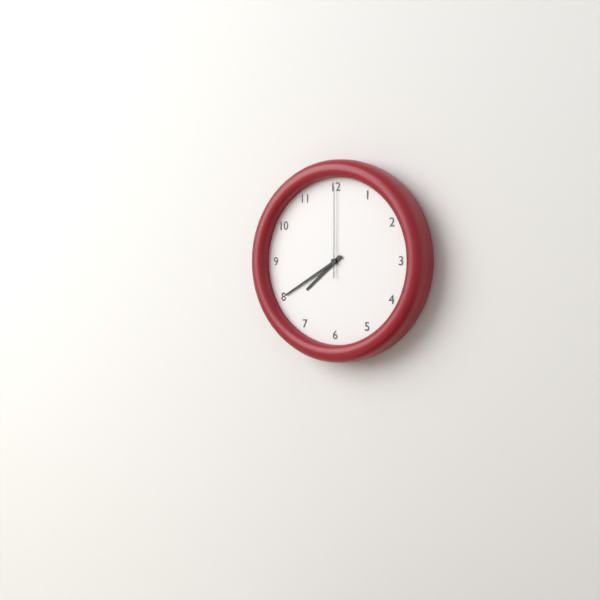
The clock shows 7.40.00
